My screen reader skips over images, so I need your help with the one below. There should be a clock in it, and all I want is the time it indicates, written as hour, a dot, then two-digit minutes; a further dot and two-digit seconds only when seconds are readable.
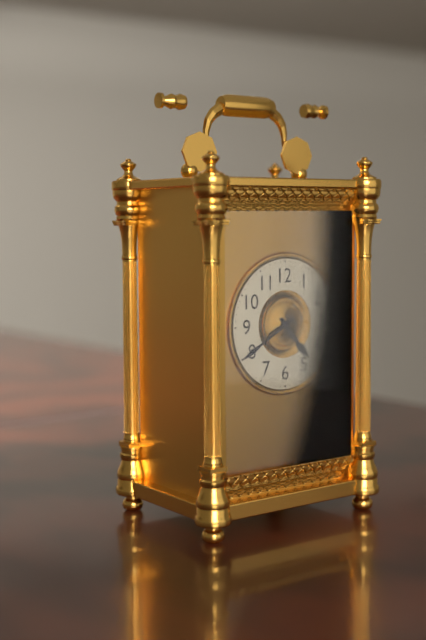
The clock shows 4.40
